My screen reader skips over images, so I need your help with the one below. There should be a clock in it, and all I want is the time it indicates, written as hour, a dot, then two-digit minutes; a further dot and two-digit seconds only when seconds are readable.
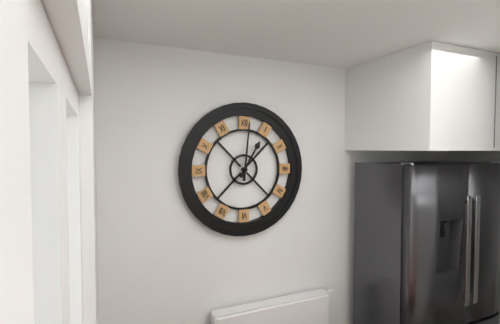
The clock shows 1.01
